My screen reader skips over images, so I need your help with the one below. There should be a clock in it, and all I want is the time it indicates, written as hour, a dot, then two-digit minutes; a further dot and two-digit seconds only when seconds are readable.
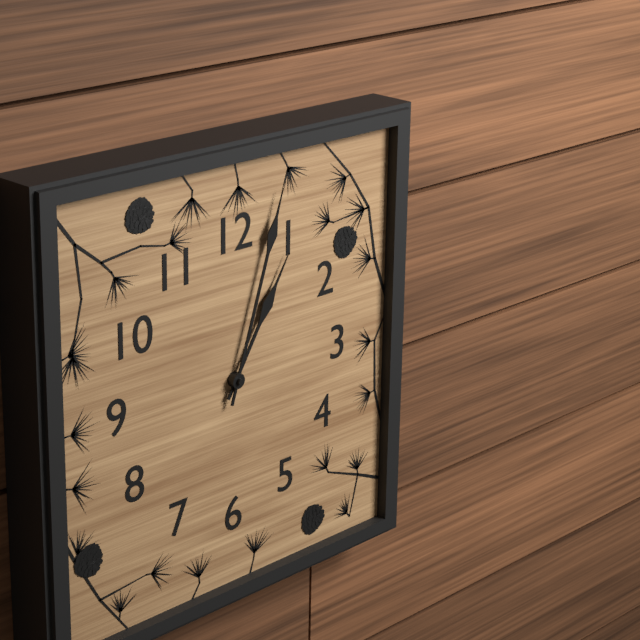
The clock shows 1.03
